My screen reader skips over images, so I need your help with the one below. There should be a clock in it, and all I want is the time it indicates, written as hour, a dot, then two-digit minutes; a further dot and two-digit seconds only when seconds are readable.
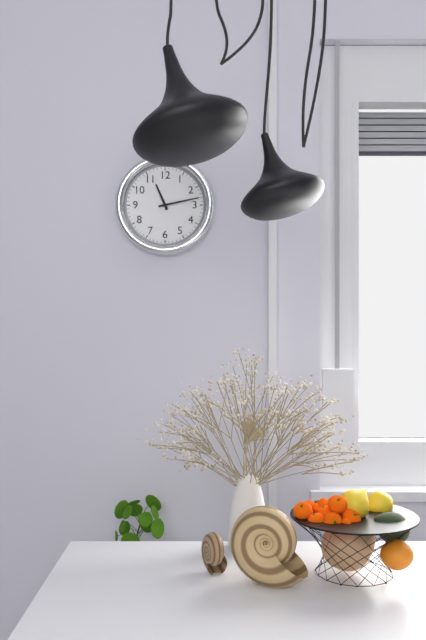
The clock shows 11.13
